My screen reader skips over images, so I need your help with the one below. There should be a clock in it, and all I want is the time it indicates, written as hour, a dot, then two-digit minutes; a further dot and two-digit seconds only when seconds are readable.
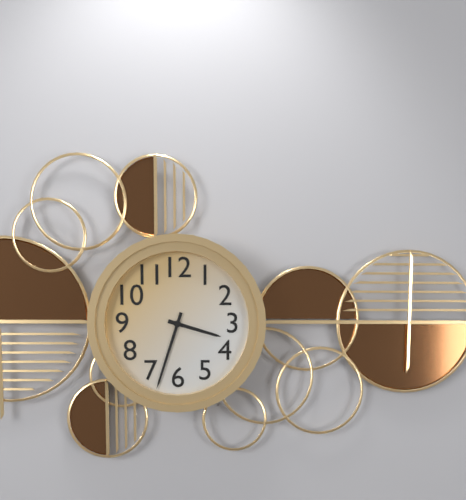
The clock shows 3.33
